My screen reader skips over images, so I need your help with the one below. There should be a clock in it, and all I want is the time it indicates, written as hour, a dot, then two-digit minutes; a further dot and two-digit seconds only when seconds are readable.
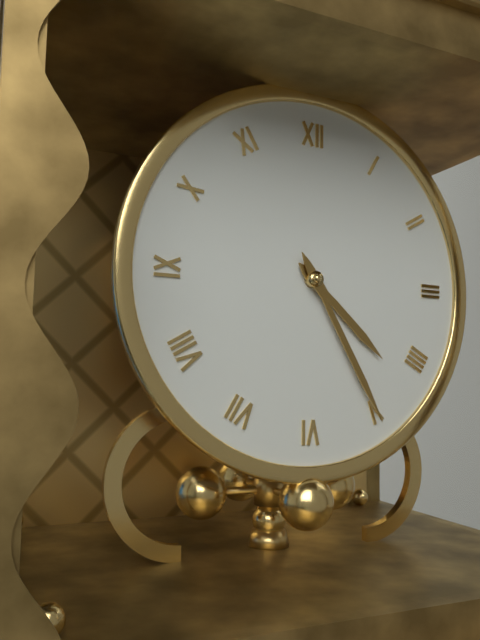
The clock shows 4.25
